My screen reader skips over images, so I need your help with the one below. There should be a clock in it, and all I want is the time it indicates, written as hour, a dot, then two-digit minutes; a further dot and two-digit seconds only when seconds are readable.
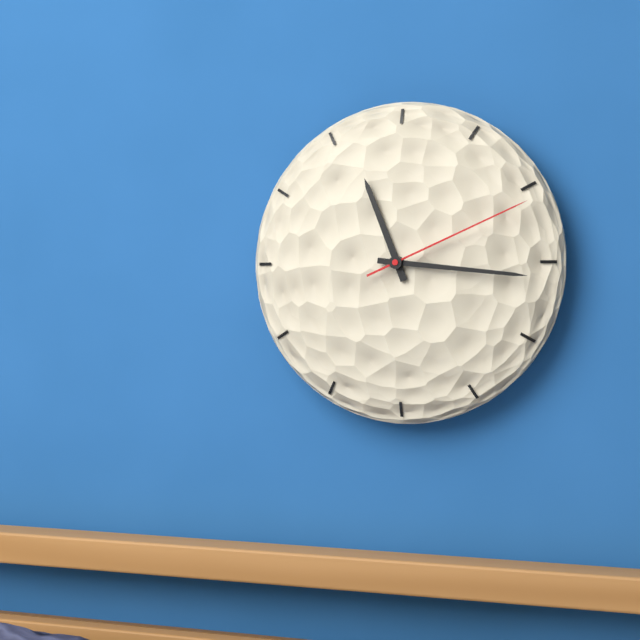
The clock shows 11.16.11
